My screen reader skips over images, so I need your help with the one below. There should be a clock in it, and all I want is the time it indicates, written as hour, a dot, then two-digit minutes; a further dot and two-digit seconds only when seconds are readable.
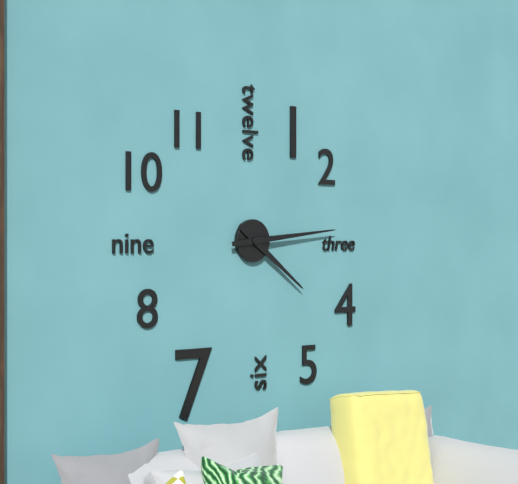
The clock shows 4.14
